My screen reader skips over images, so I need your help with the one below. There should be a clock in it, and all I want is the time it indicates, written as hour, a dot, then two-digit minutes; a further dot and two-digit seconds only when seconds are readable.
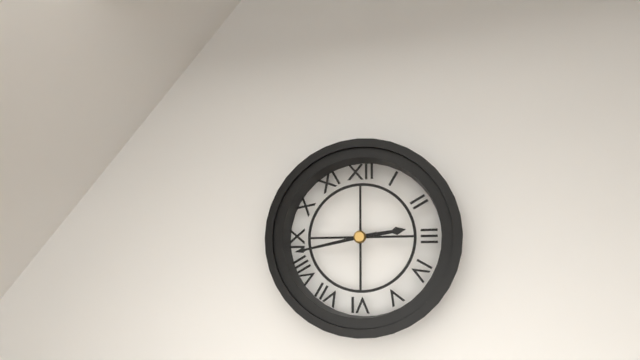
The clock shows 2.43
